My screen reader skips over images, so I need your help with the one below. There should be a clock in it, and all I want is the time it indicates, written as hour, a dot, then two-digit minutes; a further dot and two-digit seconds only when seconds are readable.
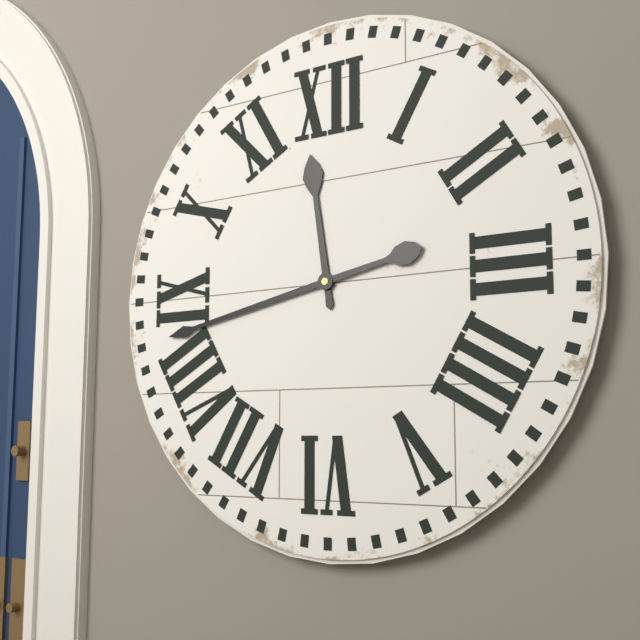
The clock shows 11.43
